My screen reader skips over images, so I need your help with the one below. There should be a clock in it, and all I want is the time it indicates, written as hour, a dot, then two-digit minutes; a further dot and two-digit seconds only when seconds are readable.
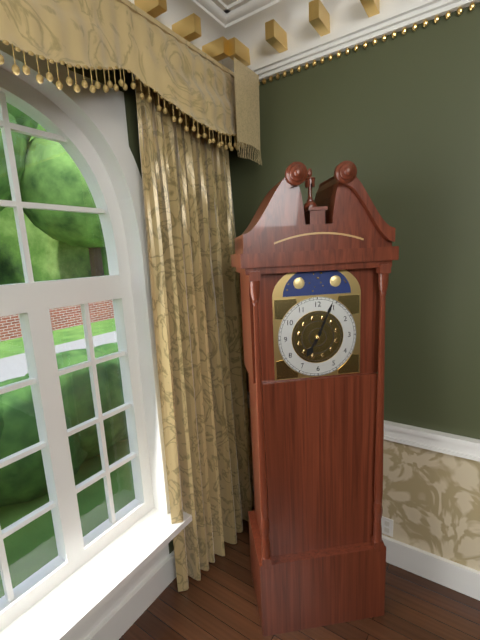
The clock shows 7.04
